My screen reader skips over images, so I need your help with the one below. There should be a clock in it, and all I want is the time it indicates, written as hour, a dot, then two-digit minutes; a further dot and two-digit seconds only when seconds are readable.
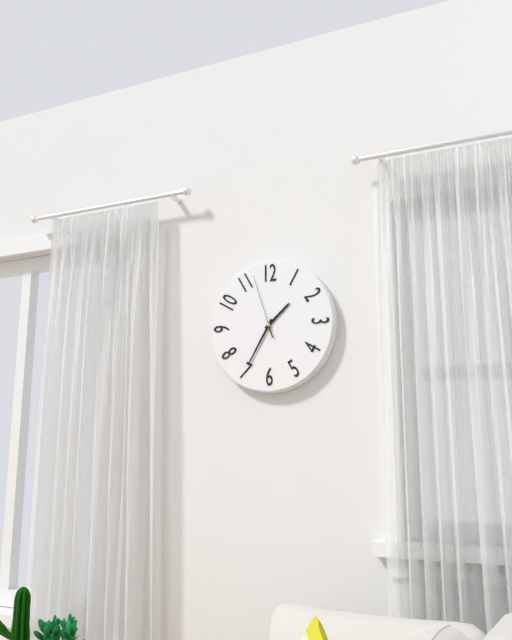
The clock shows 1.35.57
